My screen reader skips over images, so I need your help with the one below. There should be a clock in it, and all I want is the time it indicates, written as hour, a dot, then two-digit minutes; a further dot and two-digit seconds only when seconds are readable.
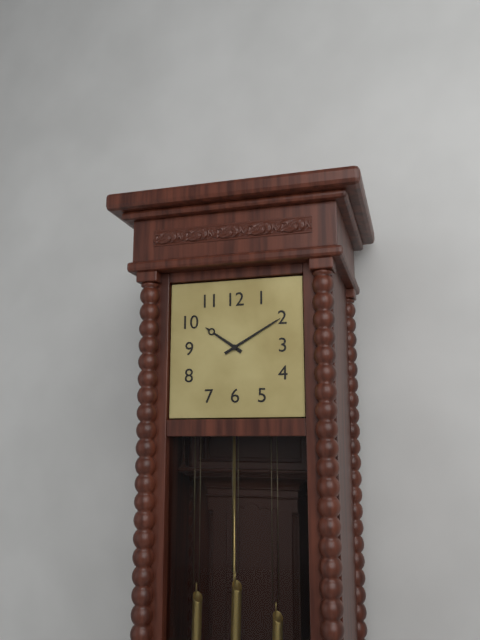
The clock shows 10.10
